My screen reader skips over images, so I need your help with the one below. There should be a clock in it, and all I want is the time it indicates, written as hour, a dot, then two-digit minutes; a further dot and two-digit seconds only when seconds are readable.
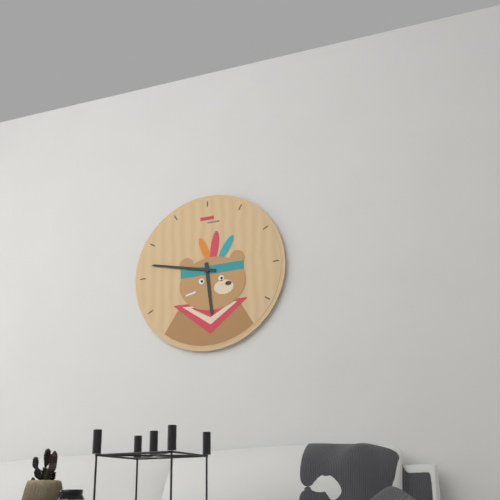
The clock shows 5.47
